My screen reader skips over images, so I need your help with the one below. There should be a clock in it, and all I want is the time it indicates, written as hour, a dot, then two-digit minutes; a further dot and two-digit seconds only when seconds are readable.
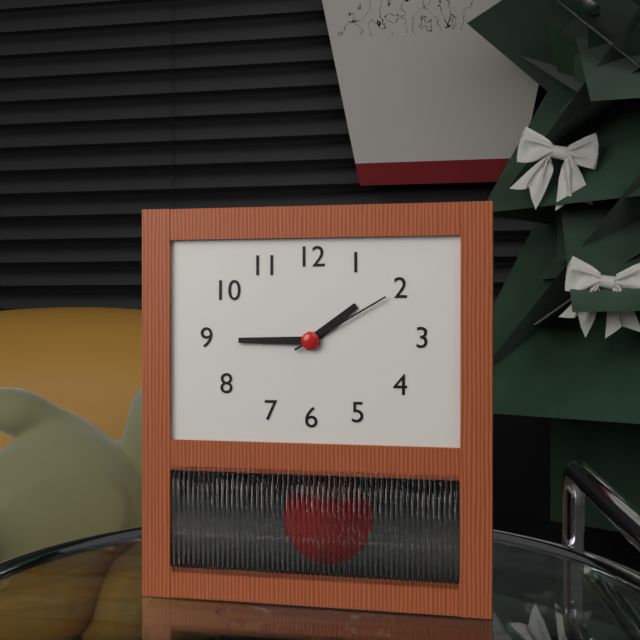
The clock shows 1.45.10
